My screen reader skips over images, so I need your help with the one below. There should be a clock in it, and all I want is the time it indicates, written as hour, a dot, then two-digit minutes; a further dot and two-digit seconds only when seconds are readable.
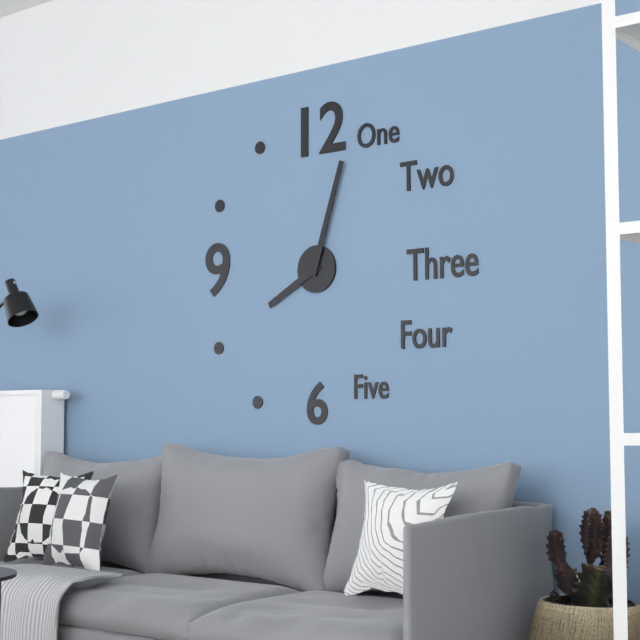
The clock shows 8.03
